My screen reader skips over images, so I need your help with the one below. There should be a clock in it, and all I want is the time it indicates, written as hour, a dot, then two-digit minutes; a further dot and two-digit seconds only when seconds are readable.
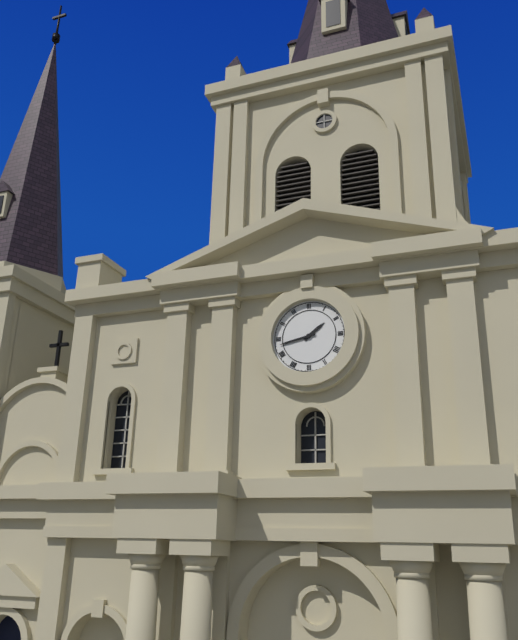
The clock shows 1.43
